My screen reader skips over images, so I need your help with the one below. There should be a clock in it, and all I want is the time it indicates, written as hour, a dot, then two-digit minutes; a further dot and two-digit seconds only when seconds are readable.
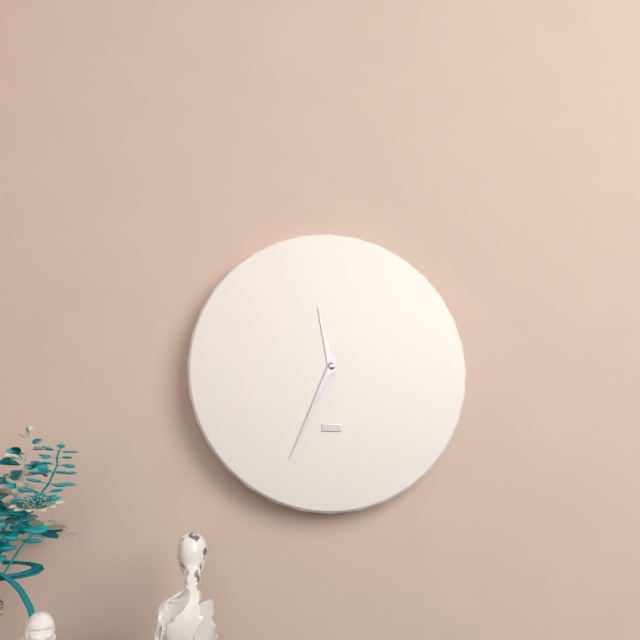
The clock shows 11.34
